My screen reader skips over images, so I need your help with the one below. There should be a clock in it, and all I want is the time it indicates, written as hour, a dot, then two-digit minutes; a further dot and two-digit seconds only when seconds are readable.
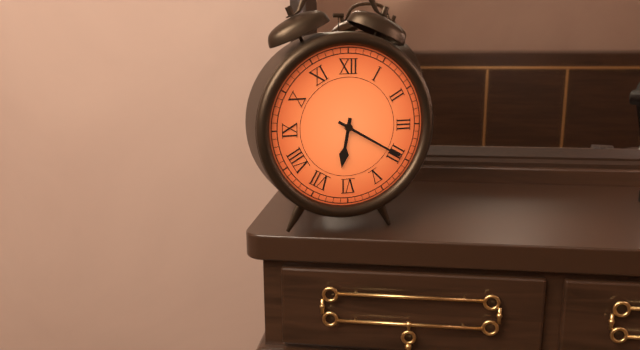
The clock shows 6.20
